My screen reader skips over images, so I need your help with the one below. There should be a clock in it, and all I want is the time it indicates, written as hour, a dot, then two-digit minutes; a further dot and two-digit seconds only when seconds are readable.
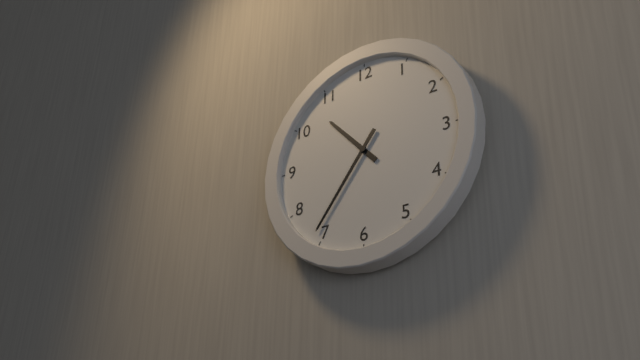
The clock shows 10.36
